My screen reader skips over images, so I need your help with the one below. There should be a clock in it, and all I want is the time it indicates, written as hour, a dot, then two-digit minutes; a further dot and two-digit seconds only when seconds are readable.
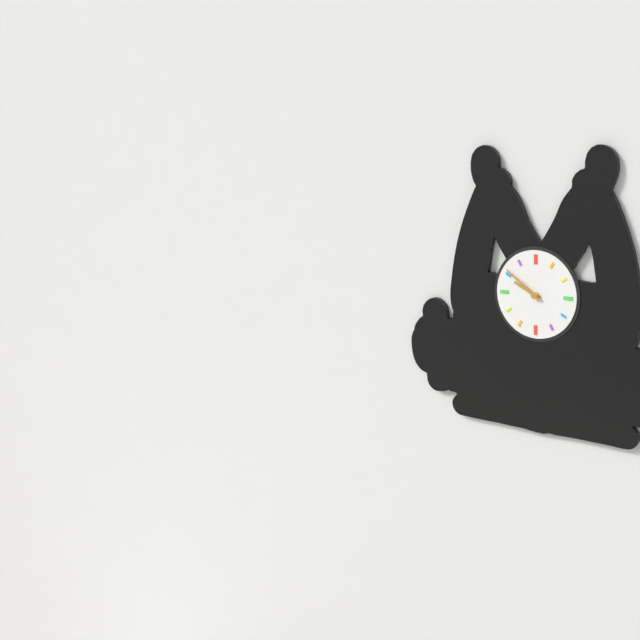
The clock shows 9.51
